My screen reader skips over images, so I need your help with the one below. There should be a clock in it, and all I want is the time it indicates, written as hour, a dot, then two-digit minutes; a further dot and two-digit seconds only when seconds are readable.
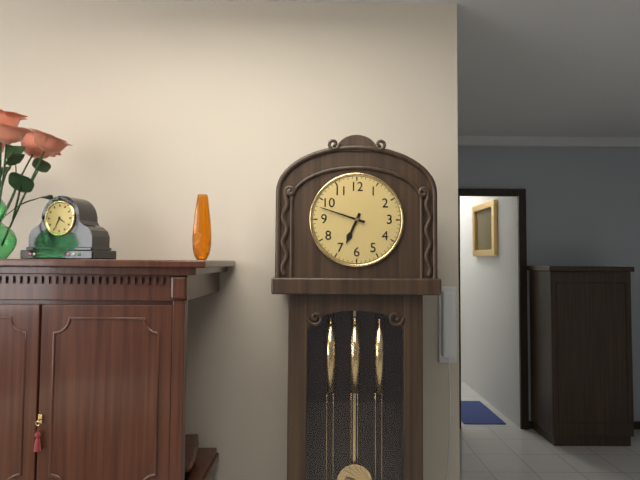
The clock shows 6.48
